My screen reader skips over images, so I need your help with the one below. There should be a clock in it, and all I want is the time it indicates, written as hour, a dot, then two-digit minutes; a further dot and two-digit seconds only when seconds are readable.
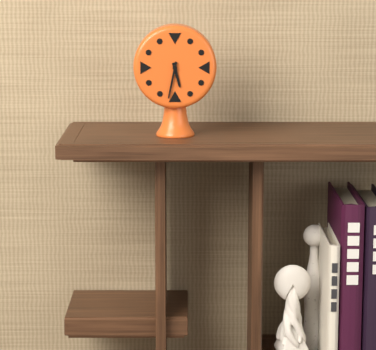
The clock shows 5.32
